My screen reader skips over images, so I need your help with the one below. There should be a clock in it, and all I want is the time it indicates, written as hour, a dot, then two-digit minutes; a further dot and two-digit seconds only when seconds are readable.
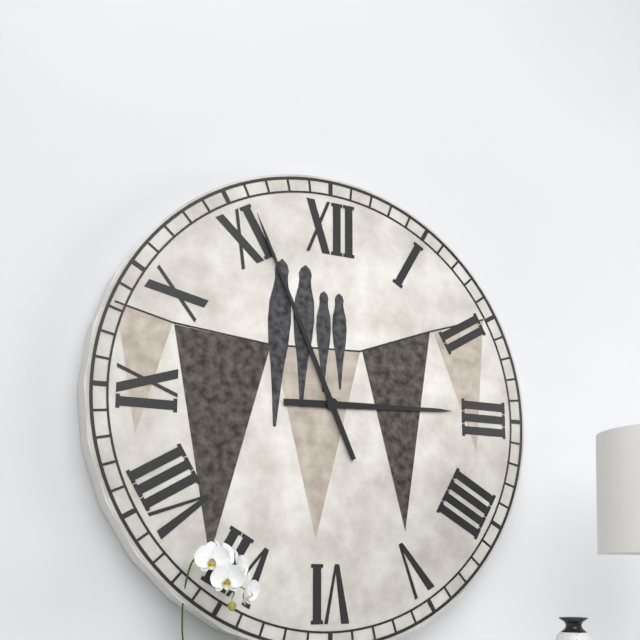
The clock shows 2.56
